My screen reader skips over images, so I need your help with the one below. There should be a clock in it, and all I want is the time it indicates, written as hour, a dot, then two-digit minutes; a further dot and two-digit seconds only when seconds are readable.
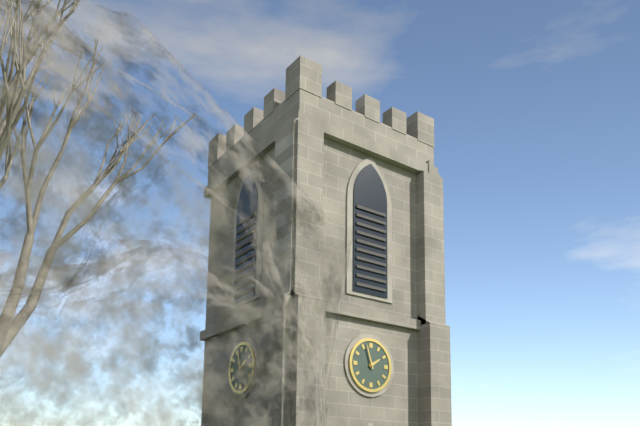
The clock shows 1.57
